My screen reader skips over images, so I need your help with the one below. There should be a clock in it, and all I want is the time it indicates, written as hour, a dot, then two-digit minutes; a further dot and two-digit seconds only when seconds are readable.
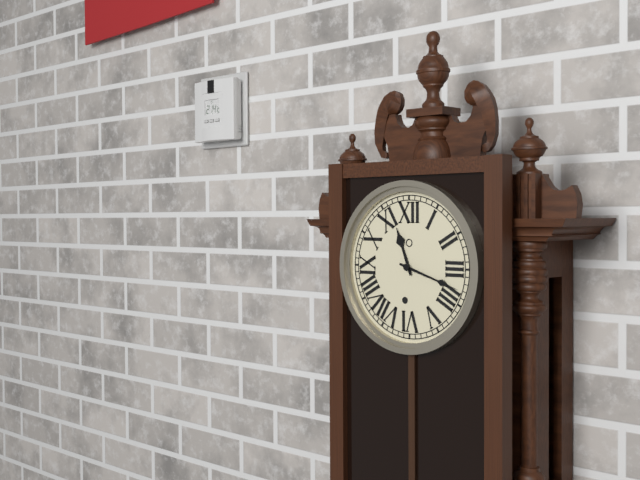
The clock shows 11.18
